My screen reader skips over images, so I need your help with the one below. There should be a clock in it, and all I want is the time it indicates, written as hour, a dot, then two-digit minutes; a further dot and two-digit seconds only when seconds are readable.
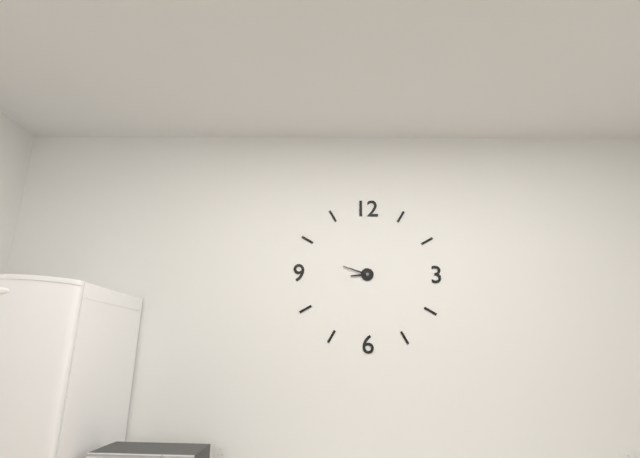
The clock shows 8.48
